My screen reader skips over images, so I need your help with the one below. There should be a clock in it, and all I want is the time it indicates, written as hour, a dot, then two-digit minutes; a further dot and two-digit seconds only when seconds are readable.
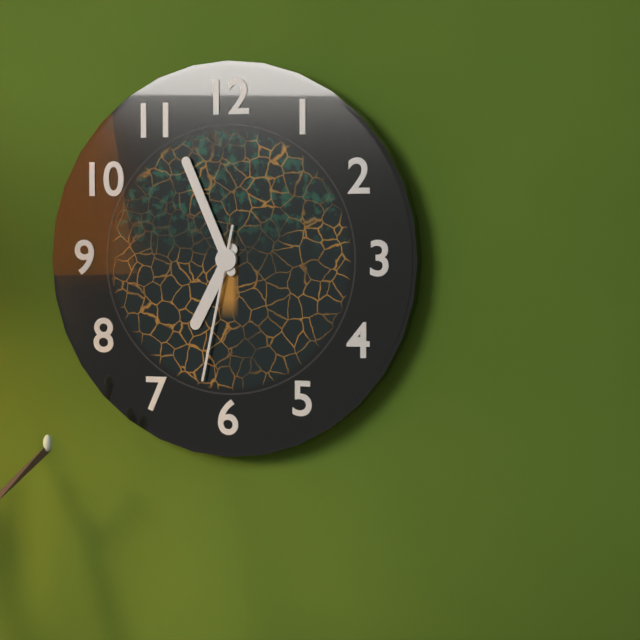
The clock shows 6.56.32
